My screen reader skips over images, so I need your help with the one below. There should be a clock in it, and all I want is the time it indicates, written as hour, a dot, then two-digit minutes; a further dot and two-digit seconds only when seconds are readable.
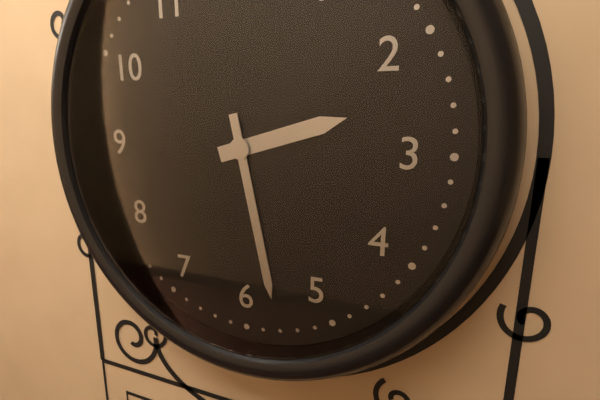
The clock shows 2.28
